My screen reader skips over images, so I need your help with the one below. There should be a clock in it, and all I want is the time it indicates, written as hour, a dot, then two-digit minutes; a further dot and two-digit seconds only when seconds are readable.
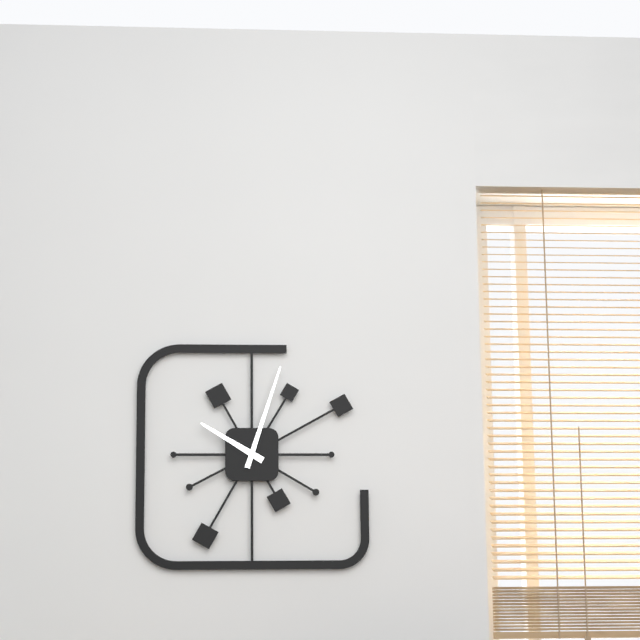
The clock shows 10.03
